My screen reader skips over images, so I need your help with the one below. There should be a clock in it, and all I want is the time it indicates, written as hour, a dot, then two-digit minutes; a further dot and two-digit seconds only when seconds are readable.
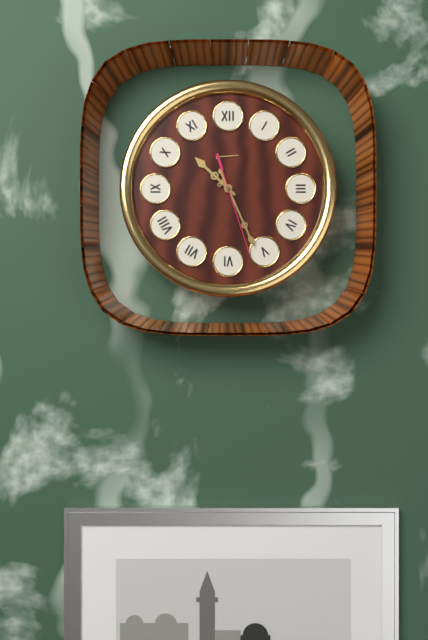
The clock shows 10.26.27
